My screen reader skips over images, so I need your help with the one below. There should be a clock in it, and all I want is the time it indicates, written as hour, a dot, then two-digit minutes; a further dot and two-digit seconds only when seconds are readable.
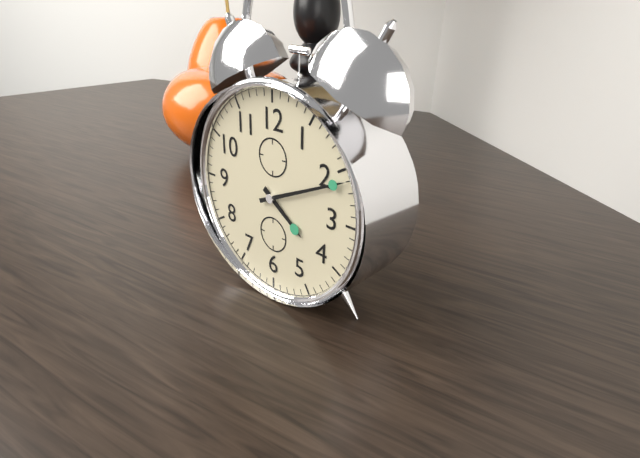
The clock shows 4.11
